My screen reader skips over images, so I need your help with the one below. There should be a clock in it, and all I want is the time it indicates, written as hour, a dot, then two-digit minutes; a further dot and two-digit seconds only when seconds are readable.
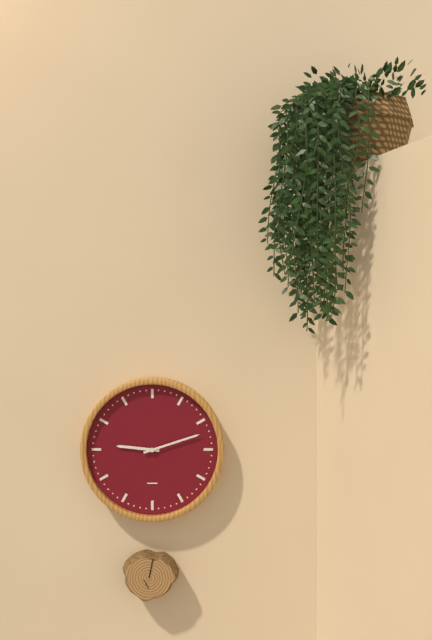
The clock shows 9.12
